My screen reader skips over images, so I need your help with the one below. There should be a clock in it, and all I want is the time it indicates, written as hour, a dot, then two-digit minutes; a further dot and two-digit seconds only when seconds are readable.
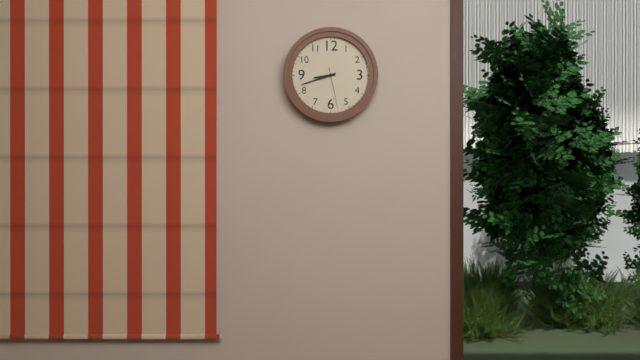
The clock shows 8.42
